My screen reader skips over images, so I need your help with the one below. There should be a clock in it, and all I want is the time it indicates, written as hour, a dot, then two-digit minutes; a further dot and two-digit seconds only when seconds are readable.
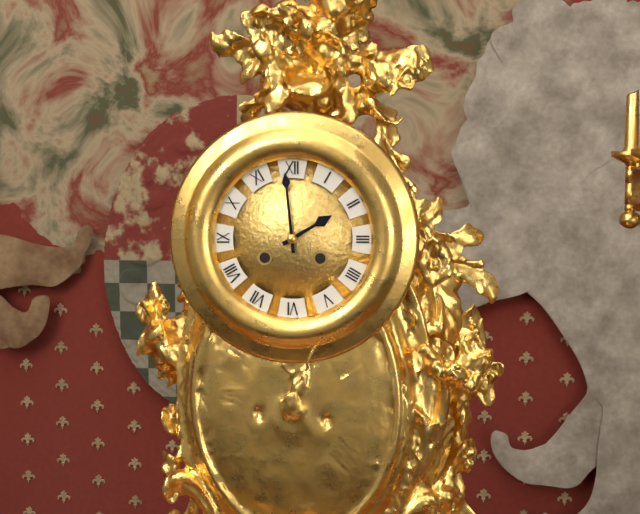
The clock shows 1.59
